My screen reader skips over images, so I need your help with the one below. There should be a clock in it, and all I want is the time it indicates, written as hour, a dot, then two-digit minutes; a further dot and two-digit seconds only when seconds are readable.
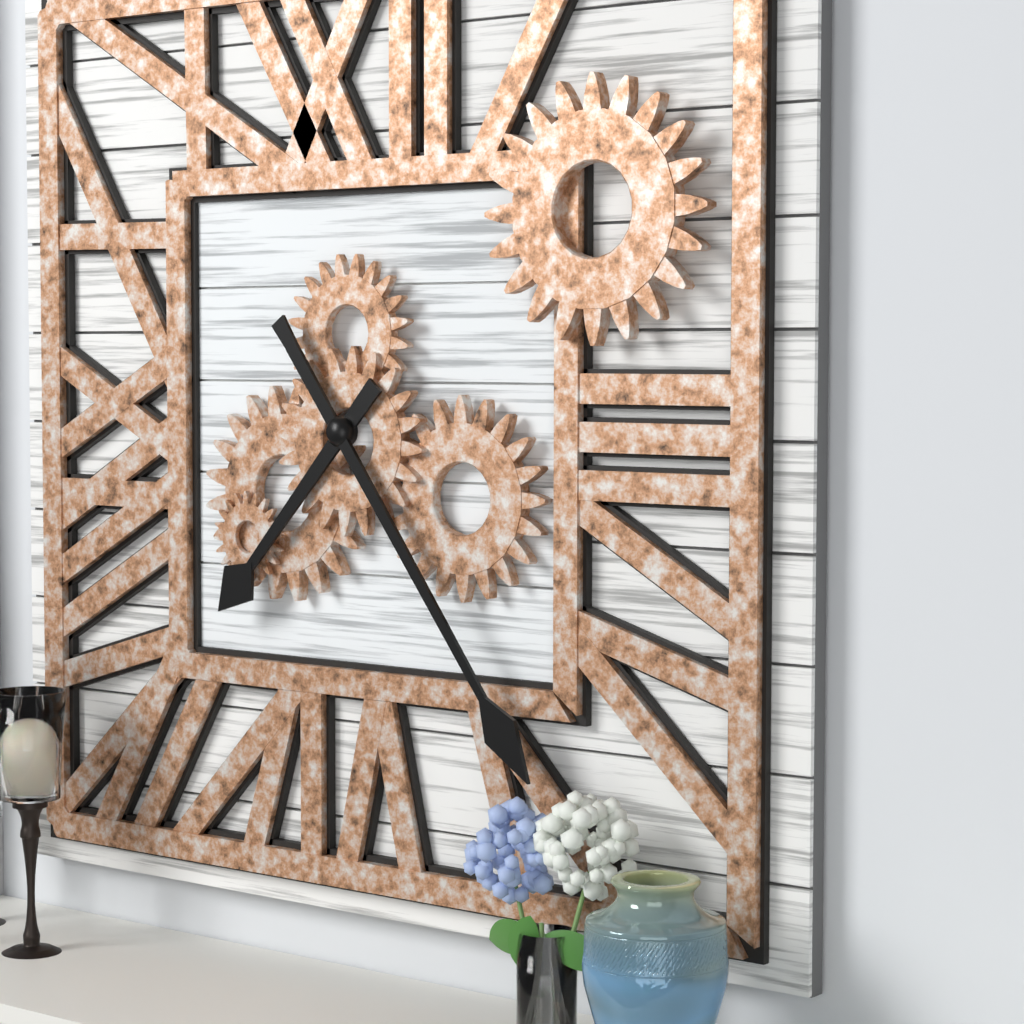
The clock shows 7.24
